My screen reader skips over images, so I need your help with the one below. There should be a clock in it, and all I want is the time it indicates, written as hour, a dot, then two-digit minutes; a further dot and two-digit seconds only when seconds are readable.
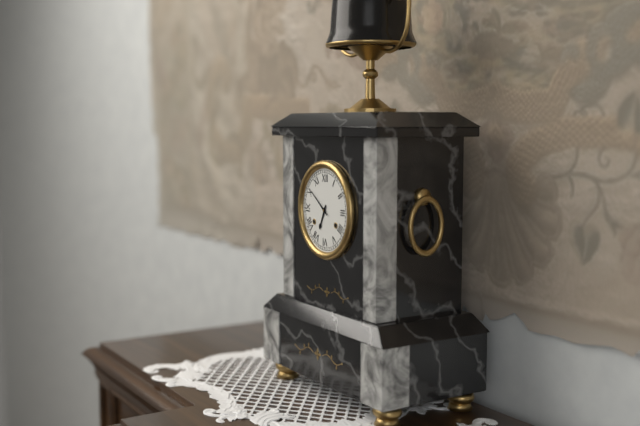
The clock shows 6.51
